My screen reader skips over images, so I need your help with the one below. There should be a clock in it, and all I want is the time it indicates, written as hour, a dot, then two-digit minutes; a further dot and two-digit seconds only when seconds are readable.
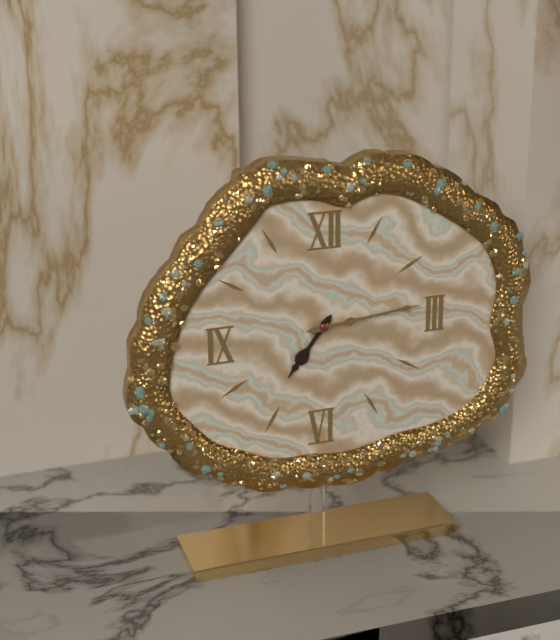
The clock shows 7.14
